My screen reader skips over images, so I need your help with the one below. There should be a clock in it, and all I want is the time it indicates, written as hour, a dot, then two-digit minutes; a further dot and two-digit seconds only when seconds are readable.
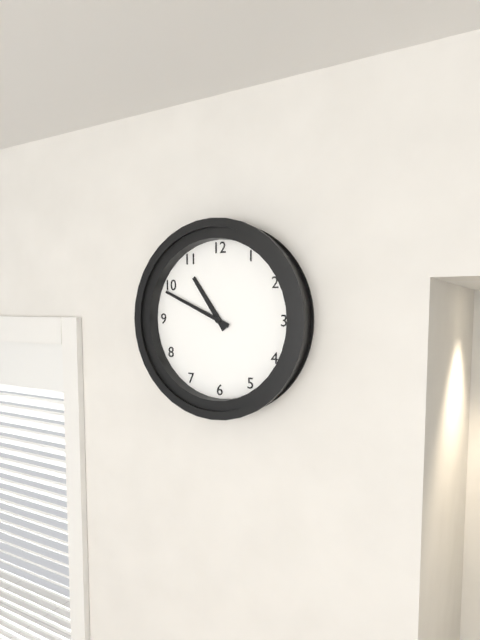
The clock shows 10.49
